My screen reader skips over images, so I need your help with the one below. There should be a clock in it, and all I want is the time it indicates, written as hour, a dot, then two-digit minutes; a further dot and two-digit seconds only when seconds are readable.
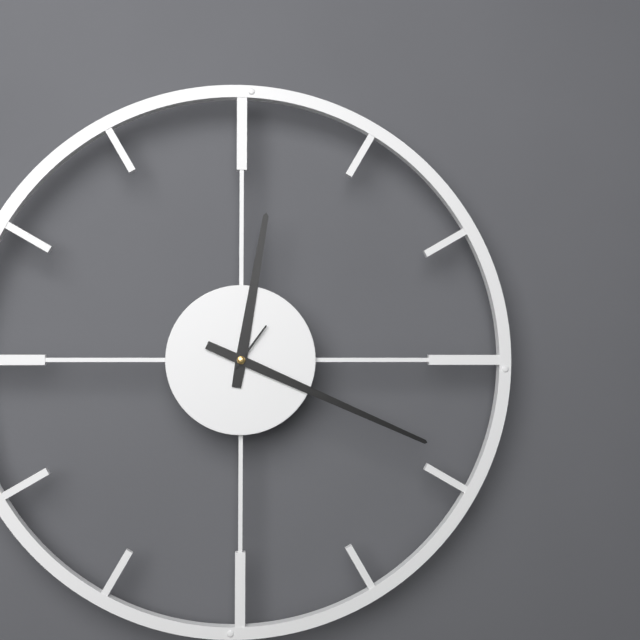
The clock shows 12.19.06
